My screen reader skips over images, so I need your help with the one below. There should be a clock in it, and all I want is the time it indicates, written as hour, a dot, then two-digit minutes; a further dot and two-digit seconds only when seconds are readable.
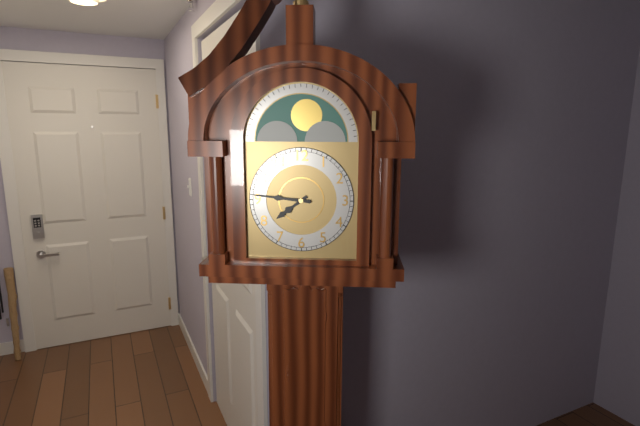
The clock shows 7.46
